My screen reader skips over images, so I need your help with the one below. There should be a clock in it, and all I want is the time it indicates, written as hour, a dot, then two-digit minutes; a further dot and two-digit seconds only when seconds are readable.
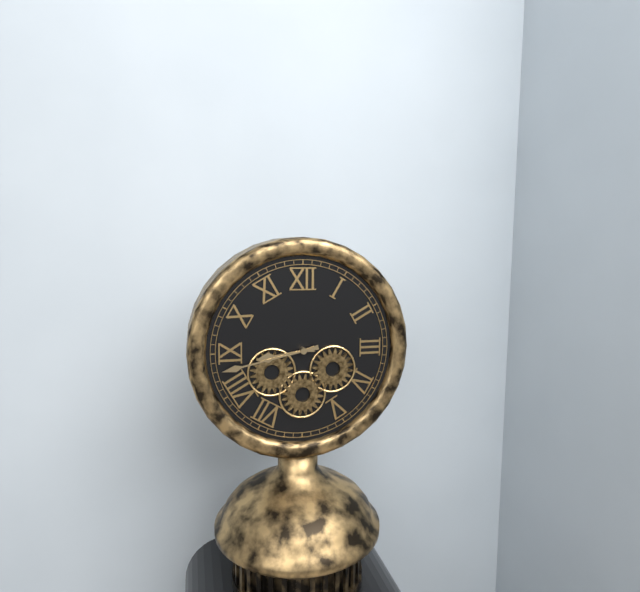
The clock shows 8.43
